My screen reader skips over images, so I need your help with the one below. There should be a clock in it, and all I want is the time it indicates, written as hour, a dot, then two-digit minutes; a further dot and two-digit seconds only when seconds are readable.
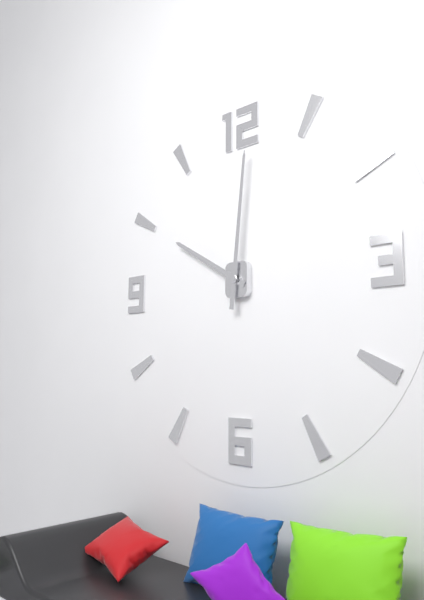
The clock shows 10.01
